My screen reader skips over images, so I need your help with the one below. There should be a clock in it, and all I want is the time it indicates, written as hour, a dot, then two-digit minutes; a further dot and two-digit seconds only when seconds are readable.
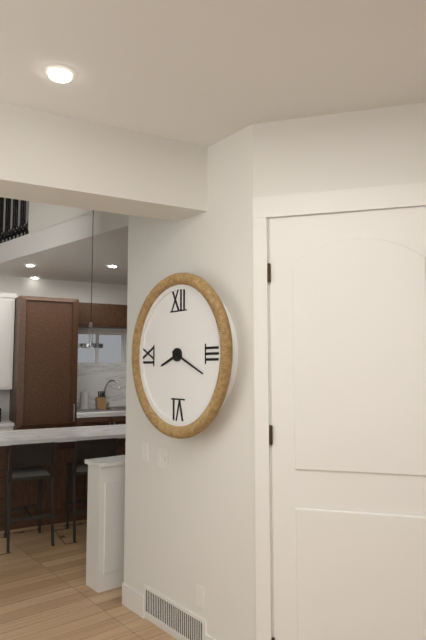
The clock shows 8.19
